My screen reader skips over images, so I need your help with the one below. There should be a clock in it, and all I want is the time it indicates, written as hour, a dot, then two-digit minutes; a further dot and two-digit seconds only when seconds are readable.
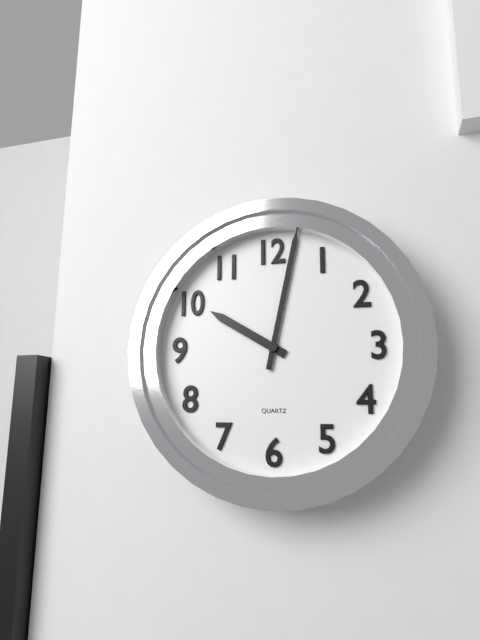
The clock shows 10.02
